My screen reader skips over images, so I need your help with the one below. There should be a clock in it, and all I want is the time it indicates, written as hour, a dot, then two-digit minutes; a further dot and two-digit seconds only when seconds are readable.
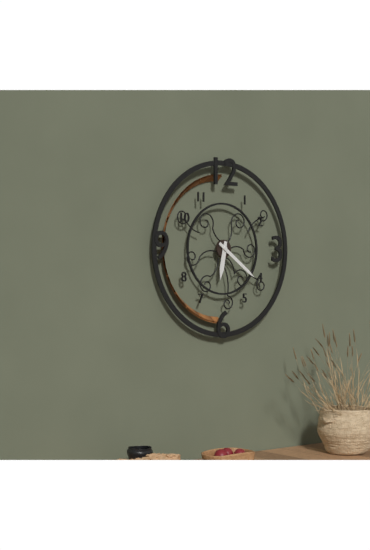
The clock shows 6.21
